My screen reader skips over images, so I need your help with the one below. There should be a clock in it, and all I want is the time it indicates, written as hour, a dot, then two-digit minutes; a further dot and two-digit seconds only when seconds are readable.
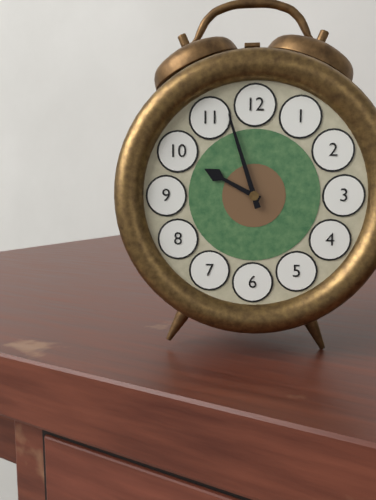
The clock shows 9.57
